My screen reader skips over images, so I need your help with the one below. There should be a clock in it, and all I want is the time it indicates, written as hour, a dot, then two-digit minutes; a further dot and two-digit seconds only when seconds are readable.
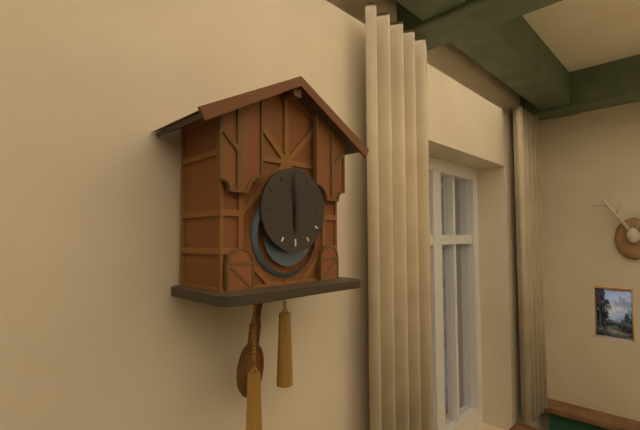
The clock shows 5.59
